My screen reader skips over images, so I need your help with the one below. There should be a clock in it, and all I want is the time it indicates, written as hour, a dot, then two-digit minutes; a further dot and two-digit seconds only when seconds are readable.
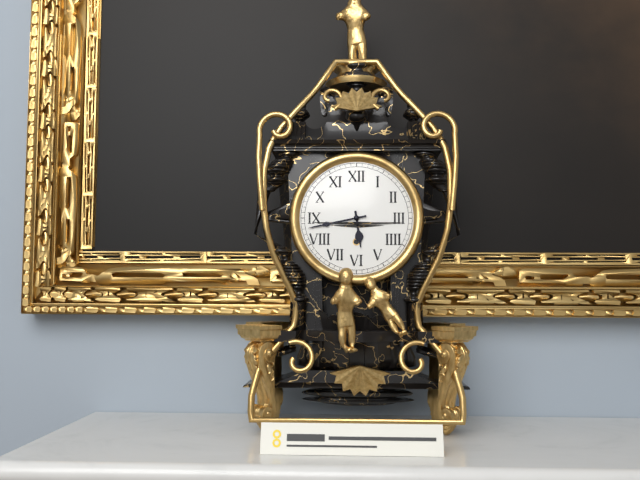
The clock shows 5.43
